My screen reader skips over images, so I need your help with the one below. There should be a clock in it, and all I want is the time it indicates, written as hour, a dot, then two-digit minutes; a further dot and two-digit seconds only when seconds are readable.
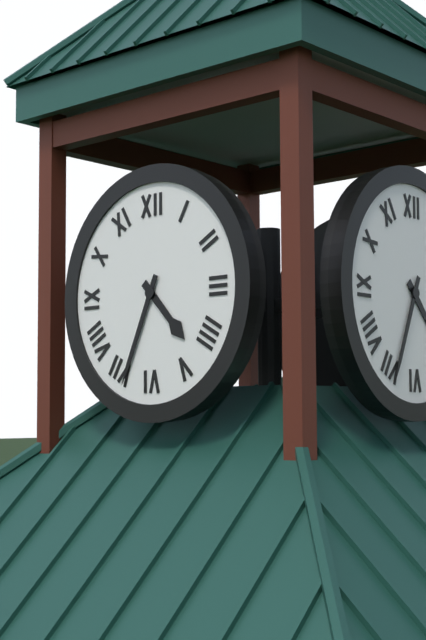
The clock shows 4.34
